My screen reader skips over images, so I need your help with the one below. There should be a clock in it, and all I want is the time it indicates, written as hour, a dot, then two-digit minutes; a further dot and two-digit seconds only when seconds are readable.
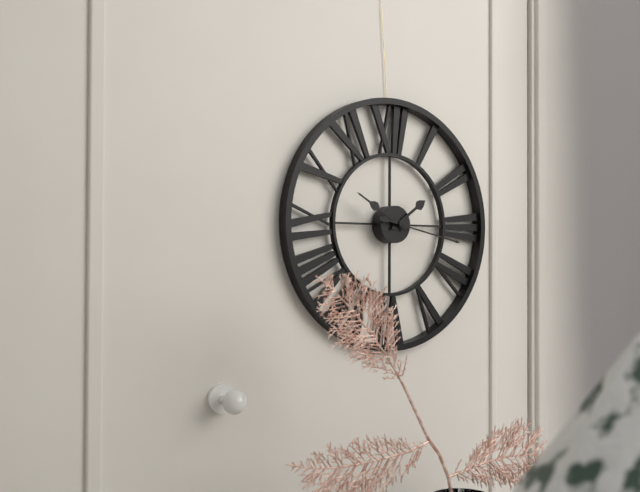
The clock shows 1.50.17
